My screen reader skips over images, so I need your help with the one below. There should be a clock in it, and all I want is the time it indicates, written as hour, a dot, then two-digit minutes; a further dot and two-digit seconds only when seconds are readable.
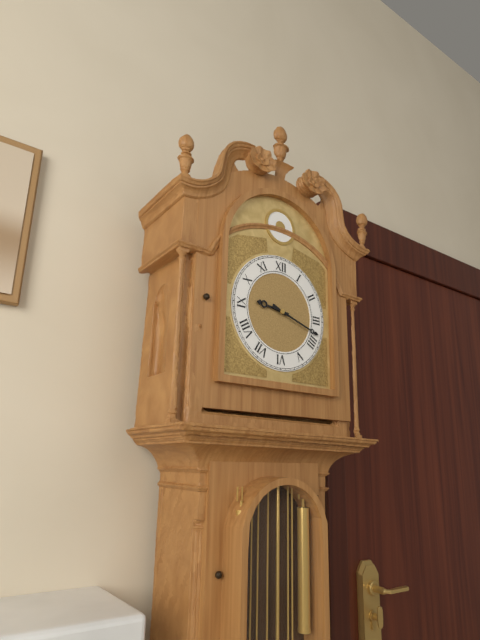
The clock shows 9.18
